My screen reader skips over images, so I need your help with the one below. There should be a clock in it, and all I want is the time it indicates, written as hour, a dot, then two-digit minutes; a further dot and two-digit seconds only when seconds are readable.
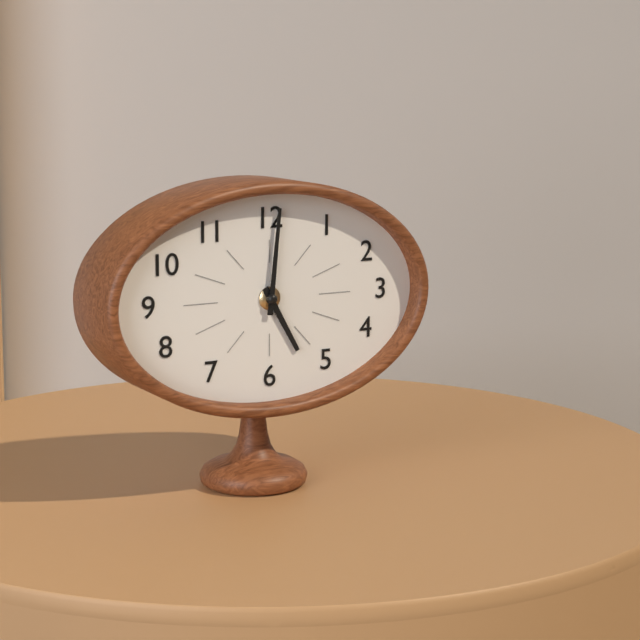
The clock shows 5.01
